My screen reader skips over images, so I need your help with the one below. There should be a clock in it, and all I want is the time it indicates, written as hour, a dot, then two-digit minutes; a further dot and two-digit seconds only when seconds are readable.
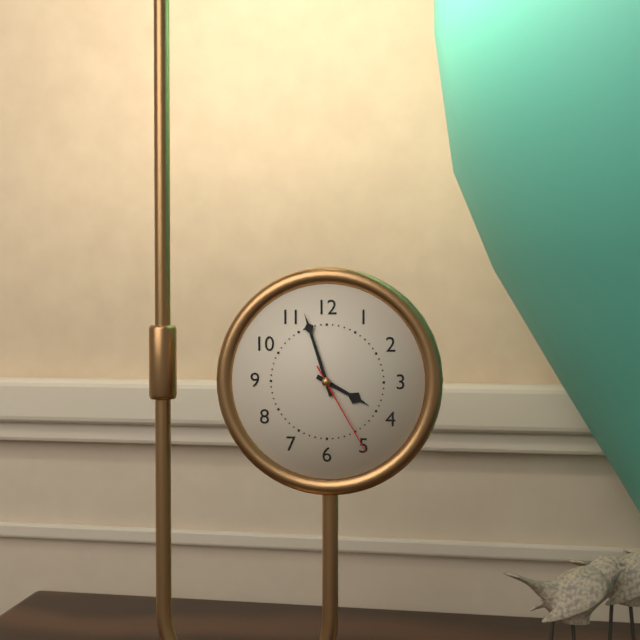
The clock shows 3.57.25
